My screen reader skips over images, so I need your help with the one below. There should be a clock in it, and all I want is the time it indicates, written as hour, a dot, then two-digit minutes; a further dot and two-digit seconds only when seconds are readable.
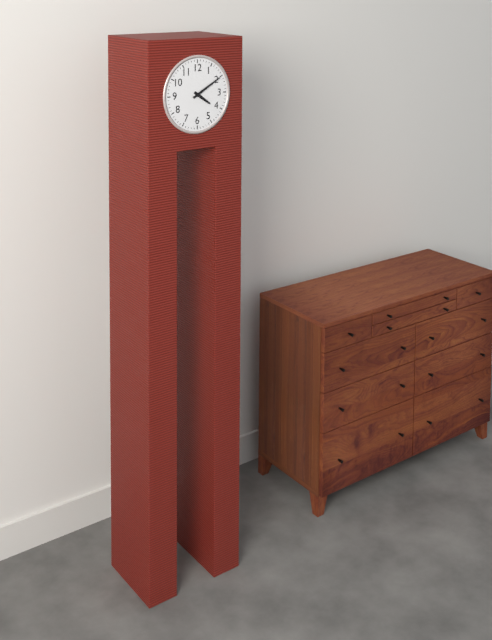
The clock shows 4.10
